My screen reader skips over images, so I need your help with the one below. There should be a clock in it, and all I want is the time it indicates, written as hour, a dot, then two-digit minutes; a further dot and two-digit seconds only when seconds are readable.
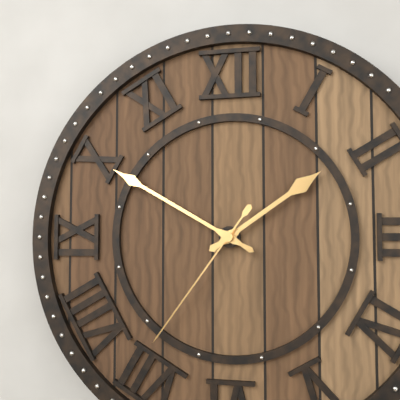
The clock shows 1.50.36
